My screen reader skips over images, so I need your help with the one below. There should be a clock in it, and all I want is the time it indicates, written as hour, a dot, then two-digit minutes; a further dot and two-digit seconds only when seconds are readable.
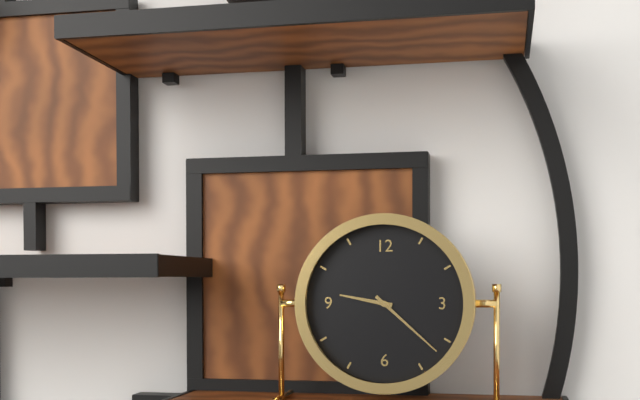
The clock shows 9.22
